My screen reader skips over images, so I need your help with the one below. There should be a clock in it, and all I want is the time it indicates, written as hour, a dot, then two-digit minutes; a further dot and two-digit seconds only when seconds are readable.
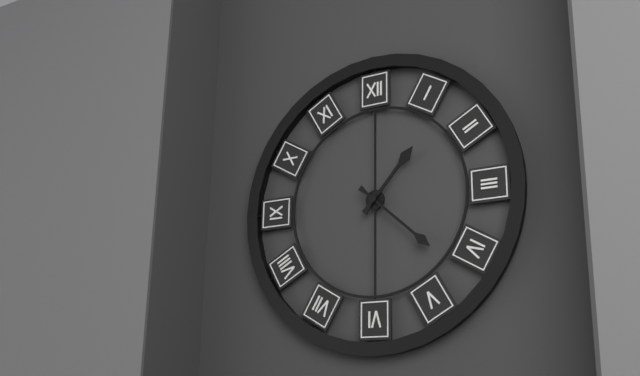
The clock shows 1.22
